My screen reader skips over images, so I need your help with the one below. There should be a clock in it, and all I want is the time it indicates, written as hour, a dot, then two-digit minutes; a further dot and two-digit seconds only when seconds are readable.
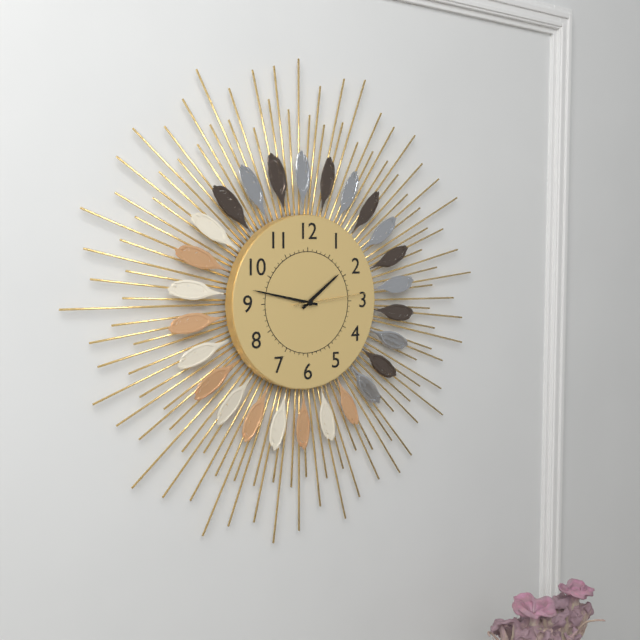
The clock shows 1.47.14
